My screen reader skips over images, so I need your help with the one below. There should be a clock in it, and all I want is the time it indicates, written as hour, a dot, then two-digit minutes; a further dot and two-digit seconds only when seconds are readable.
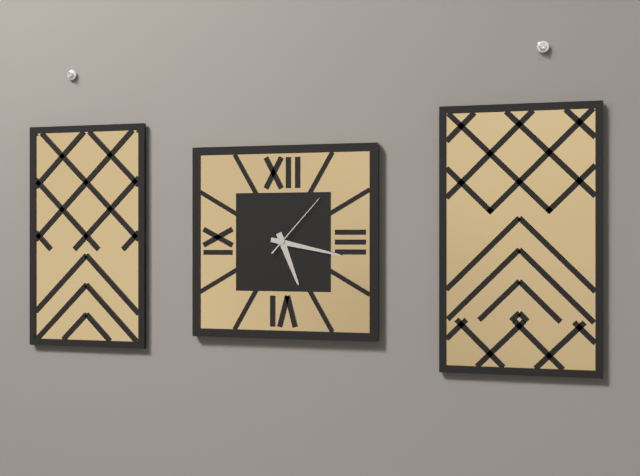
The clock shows 5.17.07
